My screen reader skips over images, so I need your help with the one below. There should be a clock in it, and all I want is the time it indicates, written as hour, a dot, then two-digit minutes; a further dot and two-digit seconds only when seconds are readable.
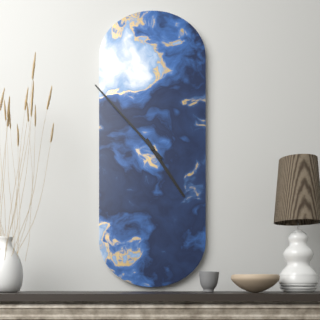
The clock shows 4.53
